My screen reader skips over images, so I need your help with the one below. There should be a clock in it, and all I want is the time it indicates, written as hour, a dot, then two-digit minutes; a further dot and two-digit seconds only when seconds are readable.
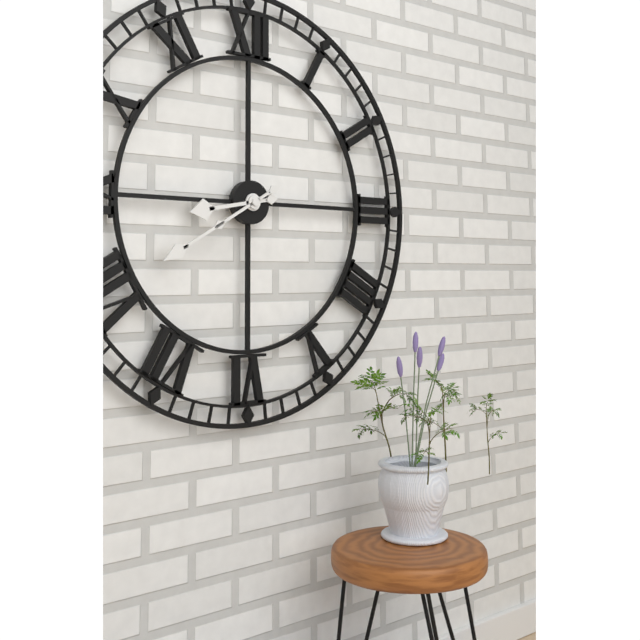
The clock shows 8.40
